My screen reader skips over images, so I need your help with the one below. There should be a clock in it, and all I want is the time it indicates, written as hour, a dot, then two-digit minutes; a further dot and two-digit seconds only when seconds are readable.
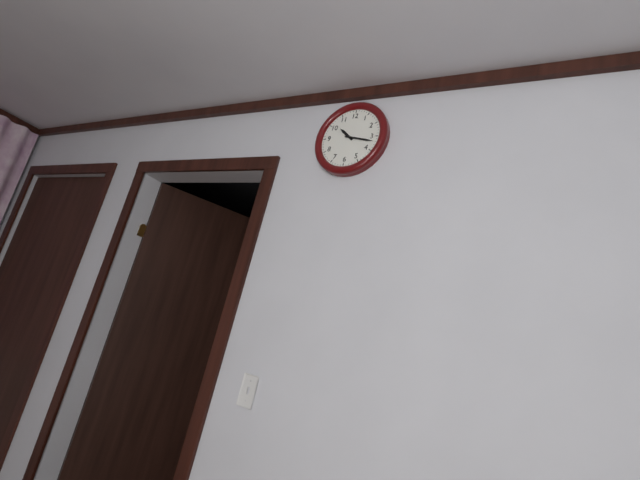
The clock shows 10.17
